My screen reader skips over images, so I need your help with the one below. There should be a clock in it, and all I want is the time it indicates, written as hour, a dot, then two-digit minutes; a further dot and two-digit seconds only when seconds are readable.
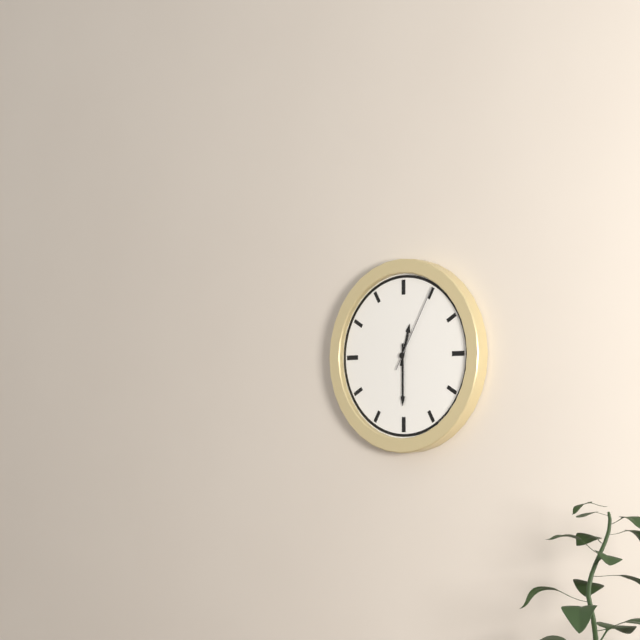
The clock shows 12.30.05
